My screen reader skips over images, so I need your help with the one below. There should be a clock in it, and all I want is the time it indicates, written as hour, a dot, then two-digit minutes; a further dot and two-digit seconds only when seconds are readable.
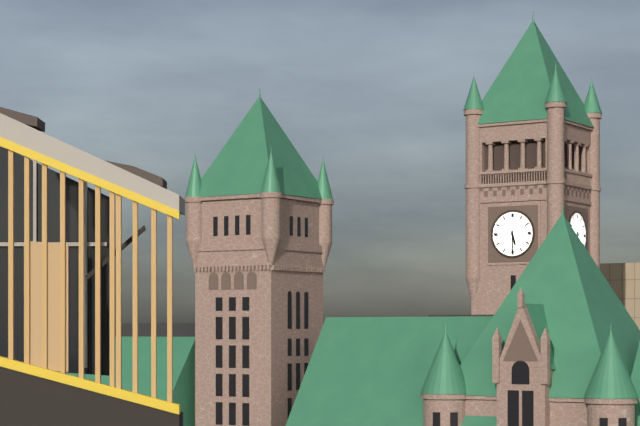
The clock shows 5.30
